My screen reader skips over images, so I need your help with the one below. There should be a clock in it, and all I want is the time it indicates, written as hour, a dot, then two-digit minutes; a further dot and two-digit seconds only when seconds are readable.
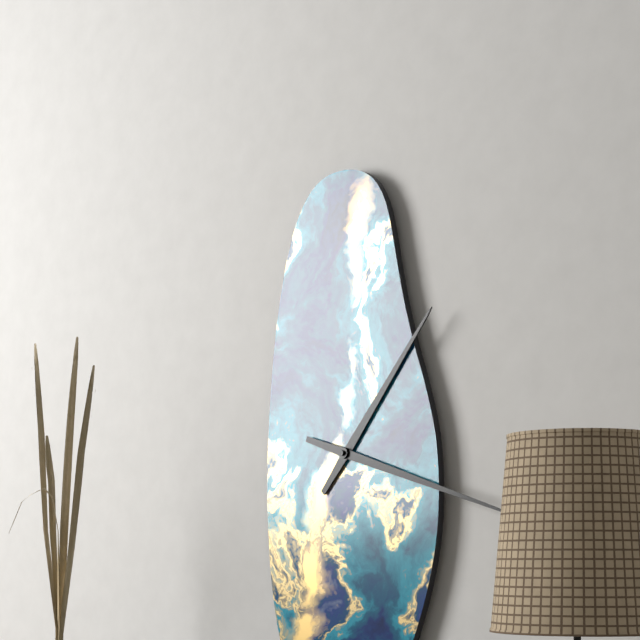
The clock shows 1.18
